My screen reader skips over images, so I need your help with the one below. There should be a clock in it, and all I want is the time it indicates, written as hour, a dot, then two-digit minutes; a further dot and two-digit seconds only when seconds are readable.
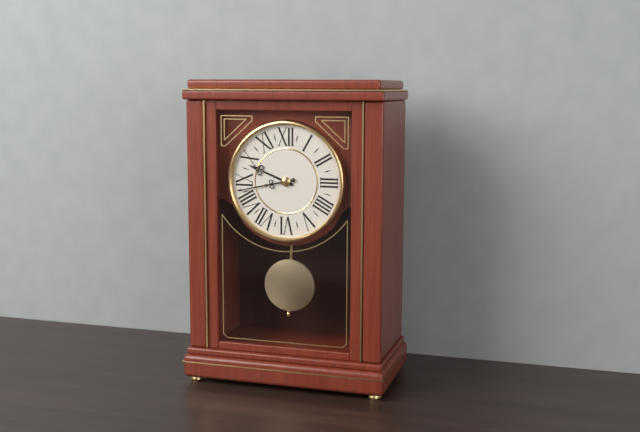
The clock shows 9.43
